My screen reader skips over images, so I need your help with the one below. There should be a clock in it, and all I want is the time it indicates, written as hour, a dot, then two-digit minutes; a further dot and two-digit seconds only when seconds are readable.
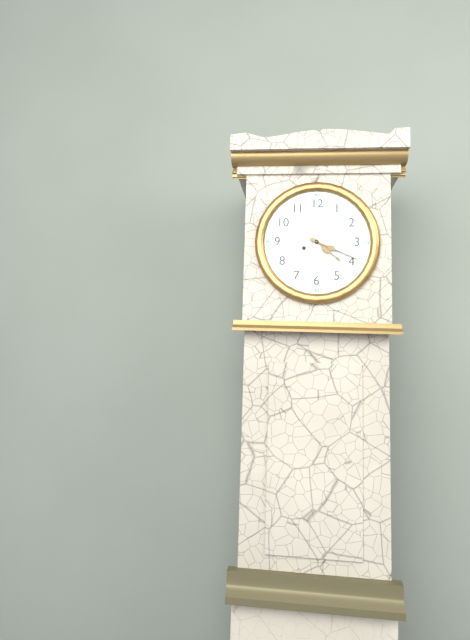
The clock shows 4.19
